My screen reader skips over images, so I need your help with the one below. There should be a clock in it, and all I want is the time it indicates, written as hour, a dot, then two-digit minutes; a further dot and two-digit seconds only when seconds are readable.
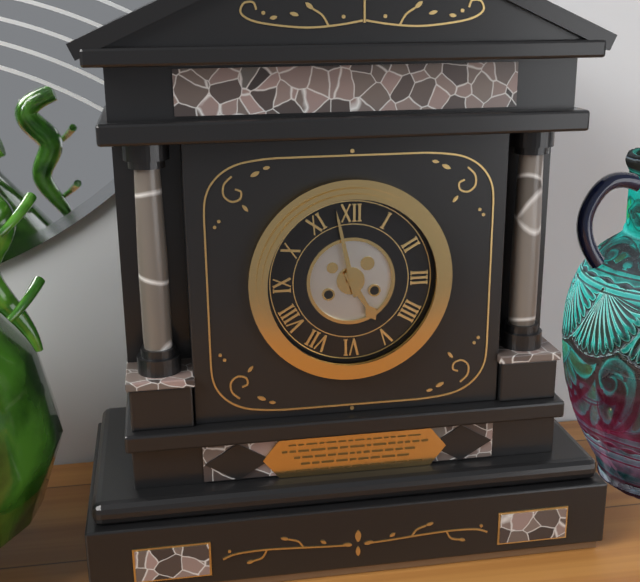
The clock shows 4.58
